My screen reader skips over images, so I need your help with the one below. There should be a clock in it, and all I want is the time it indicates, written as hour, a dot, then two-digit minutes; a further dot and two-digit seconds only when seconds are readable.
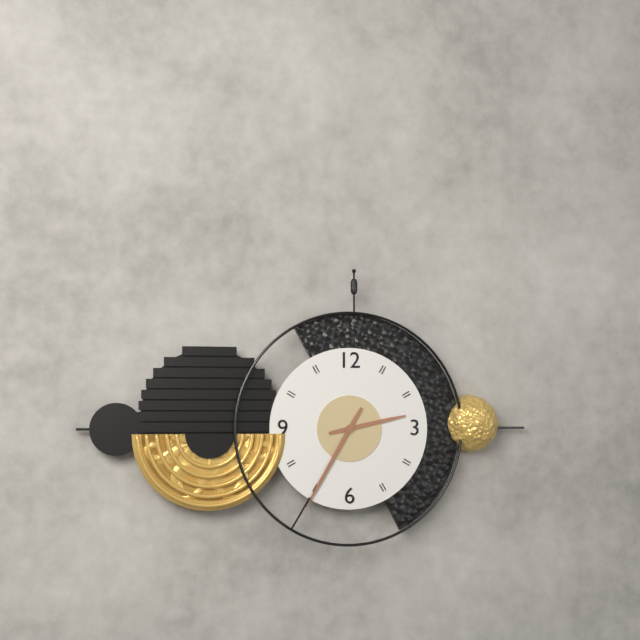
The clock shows 2.35
